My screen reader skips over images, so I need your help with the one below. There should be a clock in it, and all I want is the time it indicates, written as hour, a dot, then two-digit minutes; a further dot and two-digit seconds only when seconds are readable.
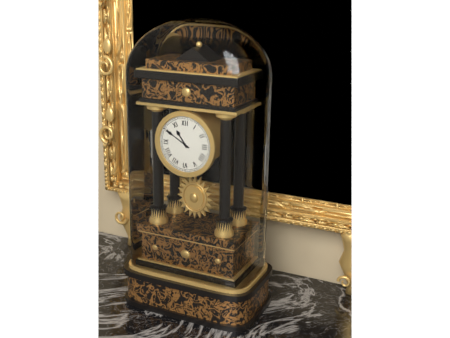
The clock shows 10.50
